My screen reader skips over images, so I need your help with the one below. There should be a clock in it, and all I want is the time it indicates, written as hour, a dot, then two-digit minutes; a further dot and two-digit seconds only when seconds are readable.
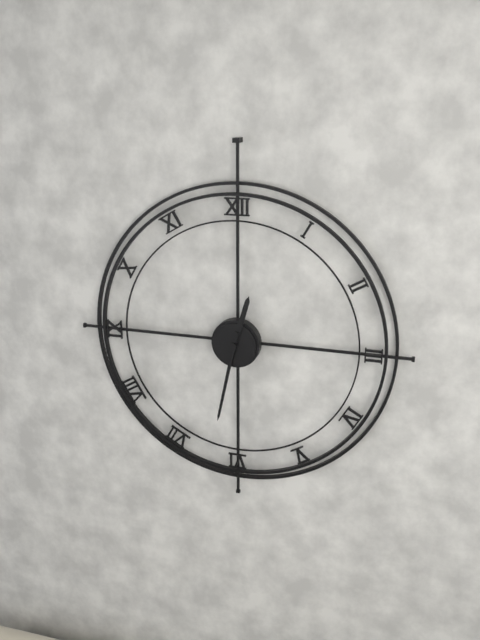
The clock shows 12.32
